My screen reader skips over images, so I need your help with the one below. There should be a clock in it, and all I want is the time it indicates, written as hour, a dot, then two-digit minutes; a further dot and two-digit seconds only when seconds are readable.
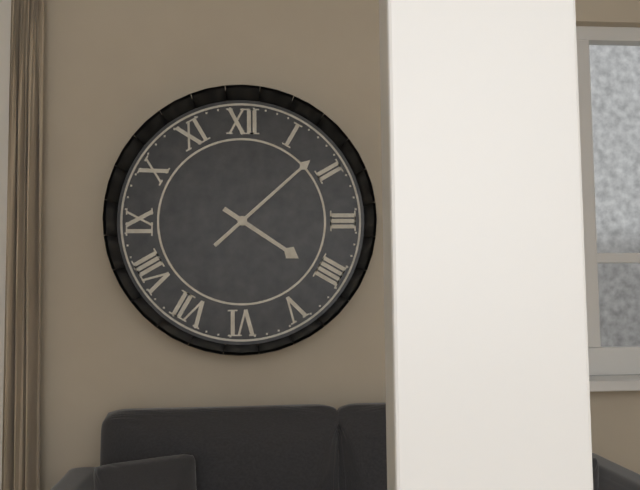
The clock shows 4.08
